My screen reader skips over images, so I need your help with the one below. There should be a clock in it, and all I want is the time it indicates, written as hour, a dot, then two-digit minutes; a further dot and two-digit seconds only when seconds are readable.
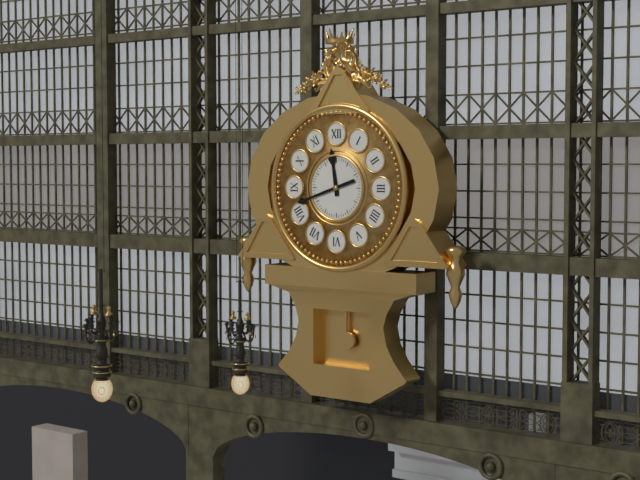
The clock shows 11.42
